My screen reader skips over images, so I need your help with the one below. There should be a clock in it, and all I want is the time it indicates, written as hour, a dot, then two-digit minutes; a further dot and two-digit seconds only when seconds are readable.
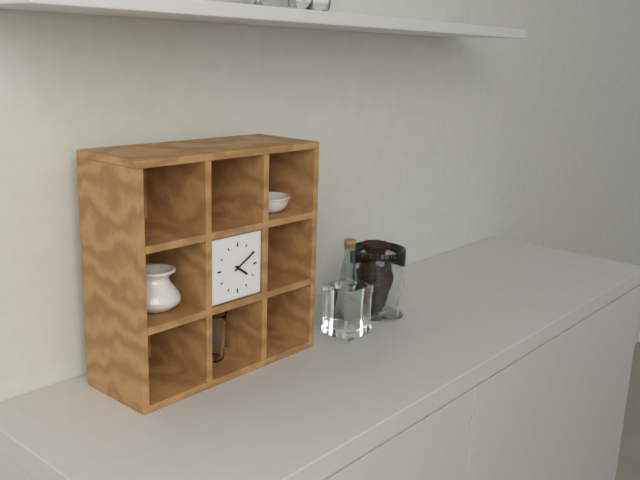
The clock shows 4.10
